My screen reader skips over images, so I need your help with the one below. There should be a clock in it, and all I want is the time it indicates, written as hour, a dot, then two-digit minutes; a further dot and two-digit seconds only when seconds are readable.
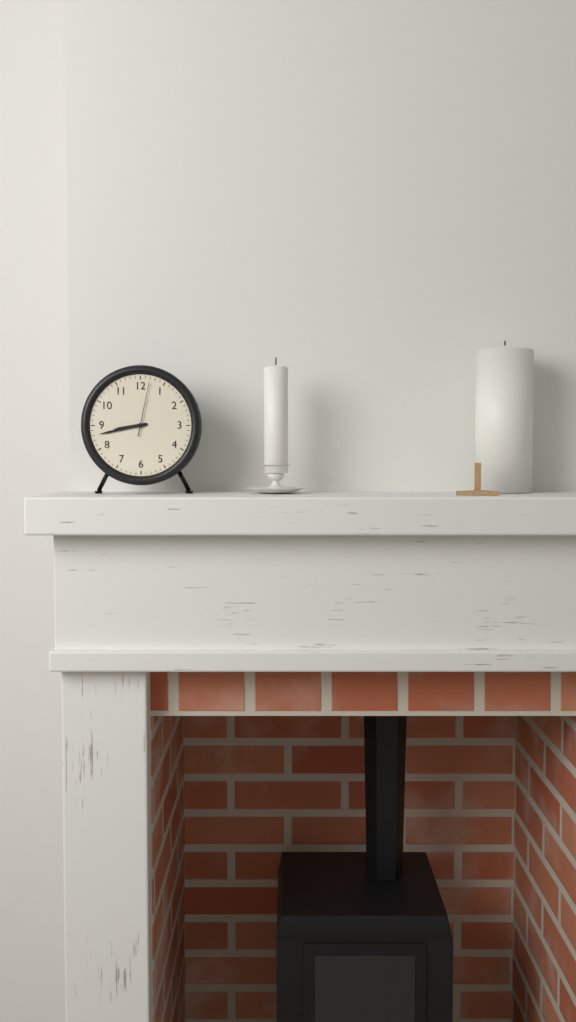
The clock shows 8.43.02
